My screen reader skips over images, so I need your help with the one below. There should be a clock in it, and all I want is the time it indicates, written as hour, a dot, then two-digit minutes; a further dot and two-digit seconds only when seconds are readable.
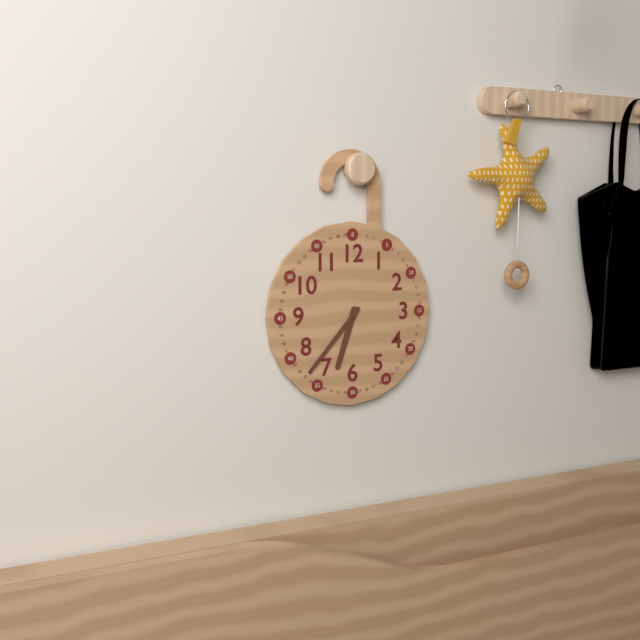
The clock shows 6.37
